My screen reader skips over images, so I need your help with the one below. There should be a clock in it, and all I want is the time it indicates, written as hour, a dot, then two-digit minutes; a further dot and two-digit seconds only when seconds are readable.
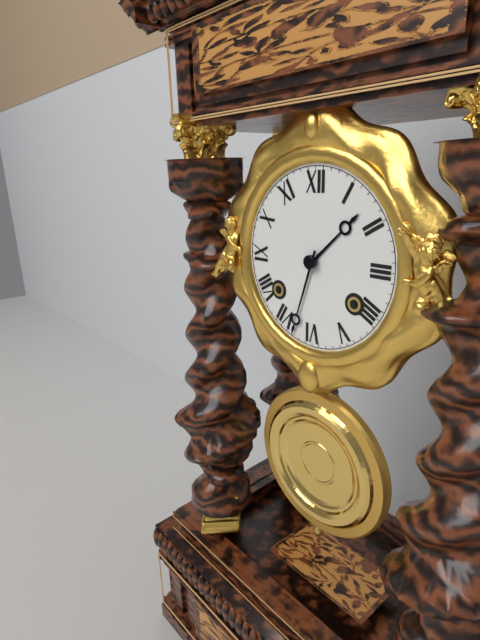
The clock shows 1.33
